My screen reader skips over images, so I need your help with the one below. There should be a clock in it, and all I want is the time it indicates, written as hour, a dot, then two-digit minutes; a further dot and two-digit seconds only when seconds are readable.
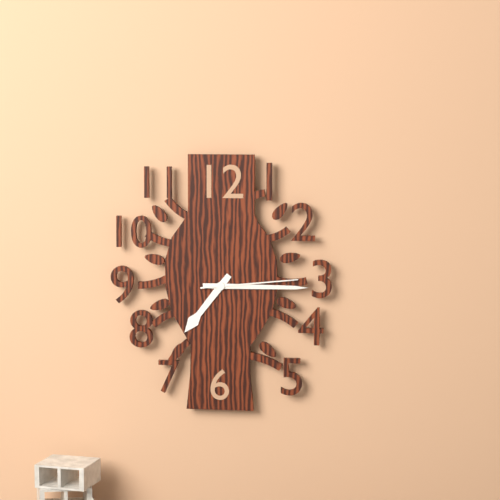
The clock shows 7.15.14
